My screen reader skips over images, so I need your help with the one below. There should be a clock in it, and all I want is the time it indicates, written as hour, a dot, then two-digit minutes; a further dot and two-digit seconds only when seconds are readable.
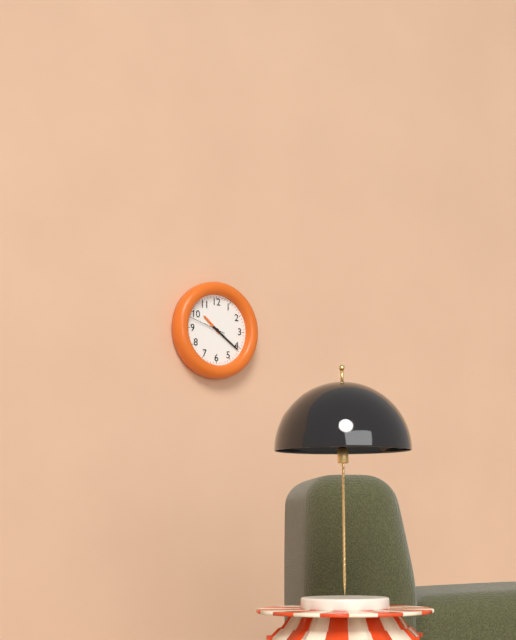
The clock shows 10.21
